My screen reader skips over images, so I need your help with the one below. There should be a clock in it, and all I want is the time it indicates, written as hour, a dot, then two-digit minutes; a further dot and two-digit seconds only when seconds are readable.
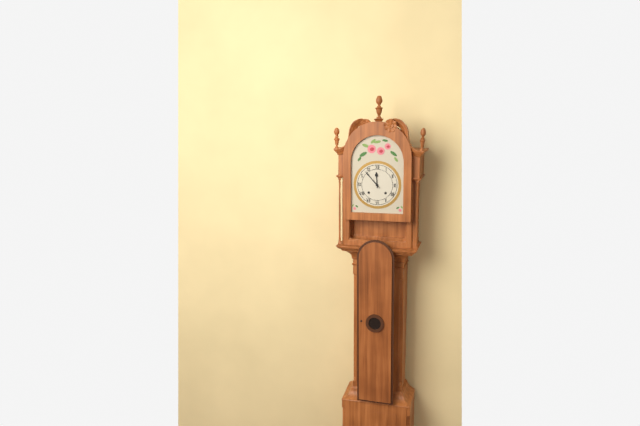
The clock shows 11.53
